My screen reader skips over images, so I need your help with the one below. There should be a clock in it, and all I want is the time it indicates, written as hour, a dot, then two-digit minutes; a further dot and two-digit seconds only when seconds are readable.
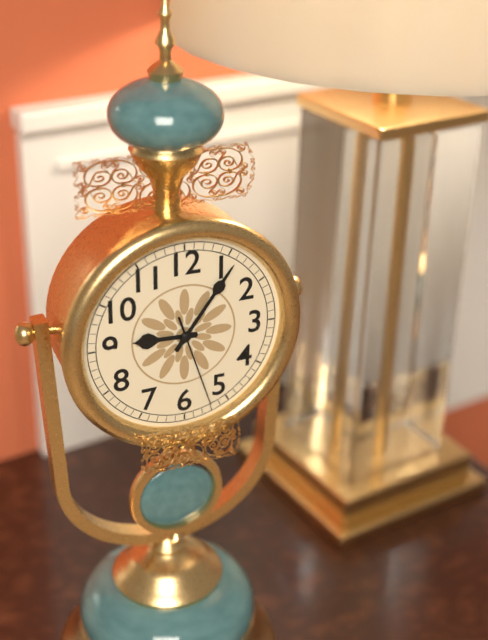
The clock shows 9.06.27
